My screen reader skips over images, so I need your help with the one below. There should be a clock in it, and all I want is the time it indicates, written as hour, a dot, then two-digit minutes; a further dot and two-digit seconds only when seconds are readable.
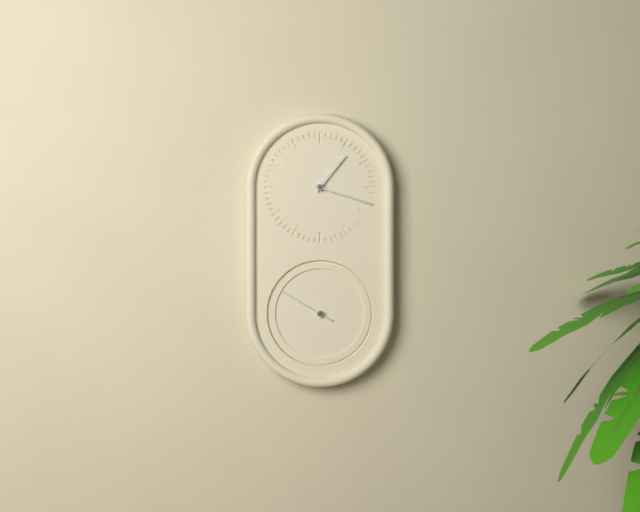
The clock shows 1.18.50
